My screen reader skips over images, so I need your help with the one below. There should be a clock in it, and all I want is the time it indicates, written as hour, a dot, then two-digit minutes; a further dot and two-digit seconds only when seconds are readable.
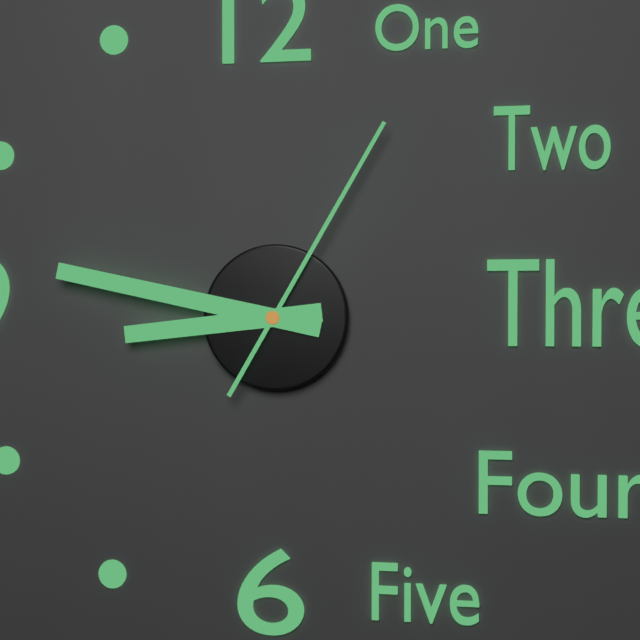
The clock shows 8.47.05
